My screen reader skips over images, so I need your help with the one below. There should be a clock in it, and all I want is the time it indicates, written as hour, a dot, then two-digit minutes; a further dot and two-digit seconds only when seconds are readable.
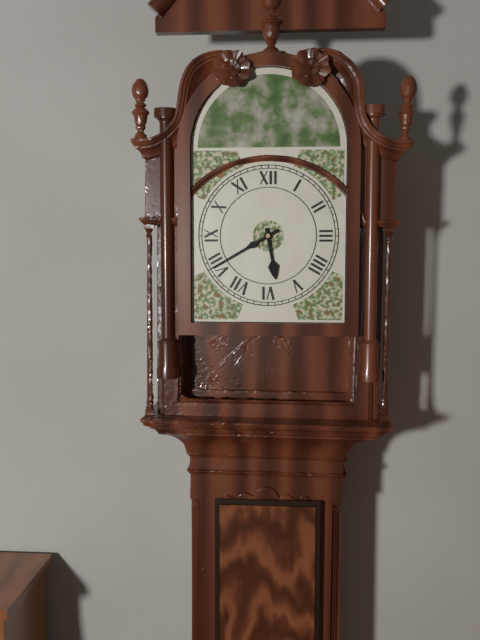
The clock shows 5.40
